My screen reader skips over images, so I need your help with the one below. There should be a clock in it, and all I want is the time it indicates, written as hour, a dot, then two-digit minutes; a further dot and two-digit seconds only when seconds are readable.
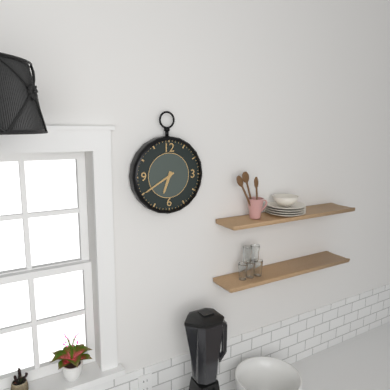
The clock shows 6.40
